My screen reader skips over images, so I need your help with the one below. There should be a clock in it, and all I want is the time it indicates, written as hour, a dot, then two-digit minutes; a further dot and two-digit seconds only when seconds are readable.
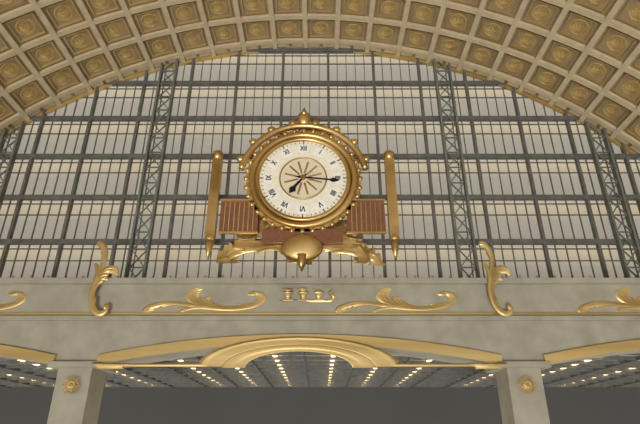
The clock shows 7.16
